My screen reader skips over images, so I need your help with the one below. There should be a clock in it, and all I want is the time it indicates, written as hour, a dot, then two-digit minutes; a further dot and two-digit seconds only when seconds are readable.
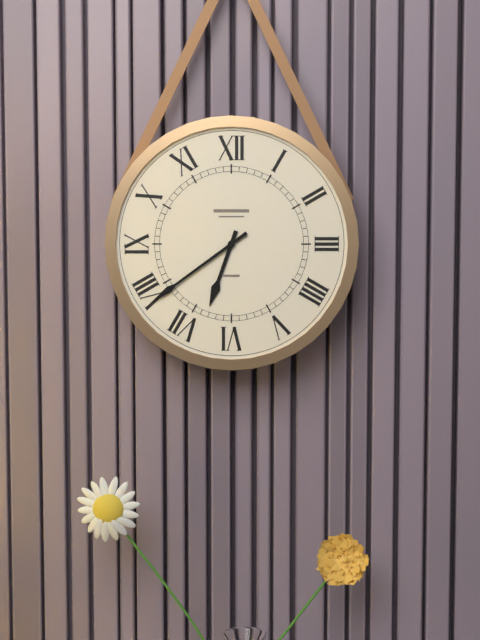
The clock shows 6.39
